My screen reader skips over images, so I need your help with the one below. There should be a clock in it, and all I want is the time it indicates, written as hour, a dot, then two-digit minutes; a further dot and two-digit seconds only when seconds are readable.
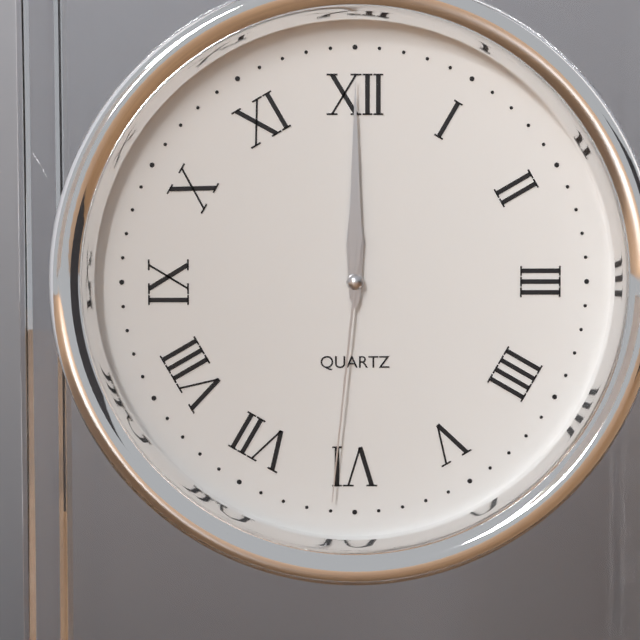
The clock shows 12.00.31
